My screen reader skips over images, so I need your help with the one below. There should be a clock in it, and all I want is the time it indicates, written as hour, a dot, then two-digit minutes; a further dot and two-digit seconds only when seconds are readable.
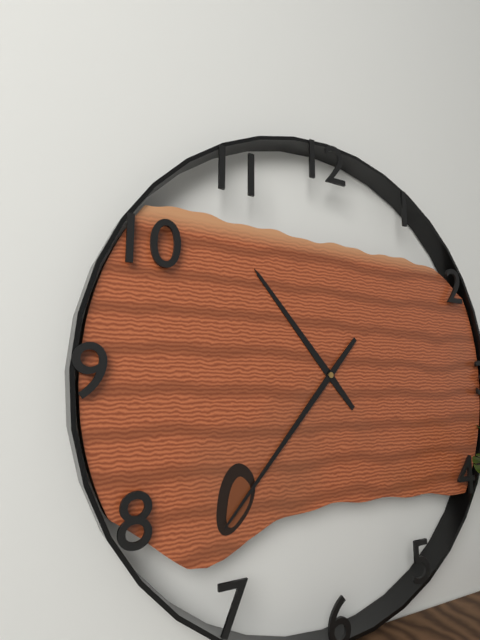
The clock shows 10.37
